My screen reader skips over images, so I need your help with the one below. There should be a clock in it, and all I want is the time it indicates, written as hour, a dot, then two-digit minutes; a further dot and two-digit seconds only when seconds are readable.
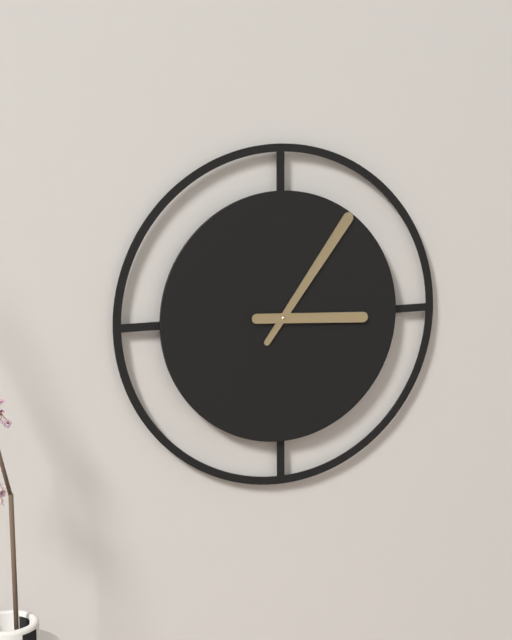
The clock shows 3.06
